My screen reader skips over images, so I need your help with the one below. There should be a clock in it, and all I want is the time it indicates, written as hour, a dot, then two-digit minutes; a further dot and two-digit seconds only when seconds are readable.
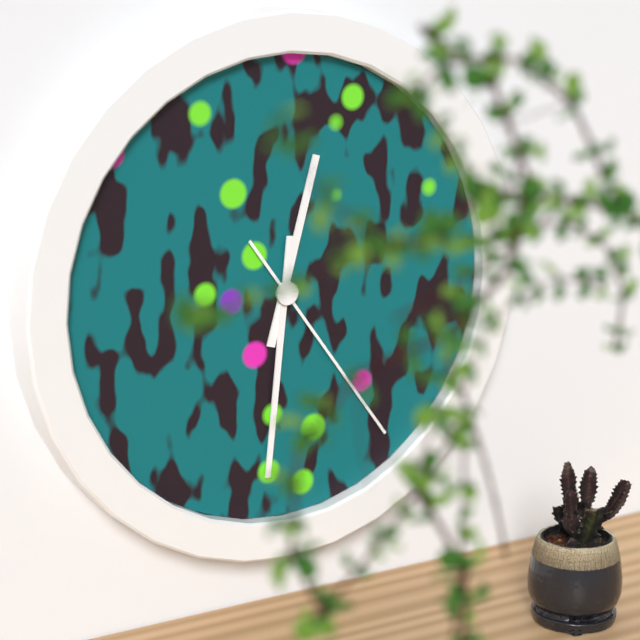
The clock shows 12.31.24
